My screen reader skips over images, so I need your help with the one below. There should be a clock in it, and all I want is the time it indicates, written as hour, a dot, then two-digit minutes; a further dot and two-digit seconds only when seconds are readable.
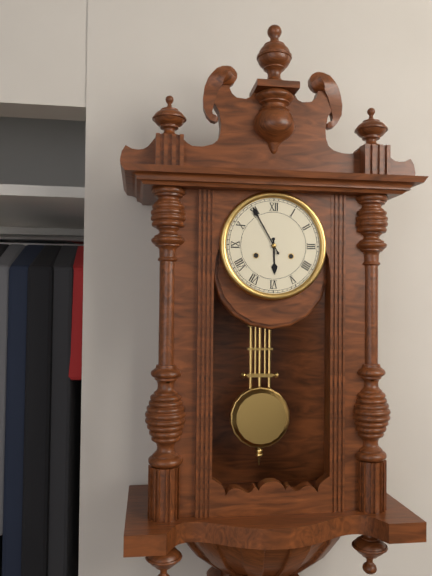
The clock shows 5.55
